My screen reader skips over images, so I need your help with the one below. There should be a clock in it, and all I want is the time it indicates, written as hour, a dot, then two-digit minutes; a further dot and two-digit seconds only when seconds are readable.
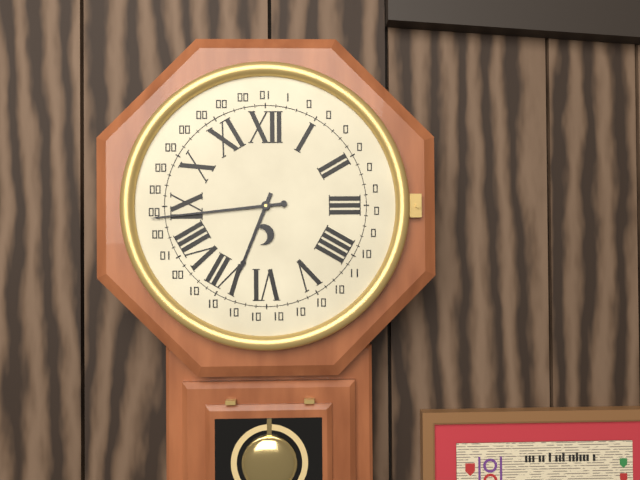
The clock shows 6.44
